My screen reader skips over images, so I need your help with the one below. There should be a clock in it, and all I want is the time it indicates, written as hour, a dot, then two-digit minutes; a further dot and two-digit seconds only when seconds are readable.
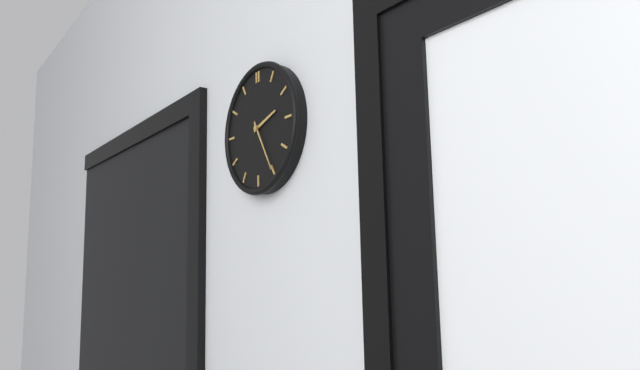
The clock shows 2.25
